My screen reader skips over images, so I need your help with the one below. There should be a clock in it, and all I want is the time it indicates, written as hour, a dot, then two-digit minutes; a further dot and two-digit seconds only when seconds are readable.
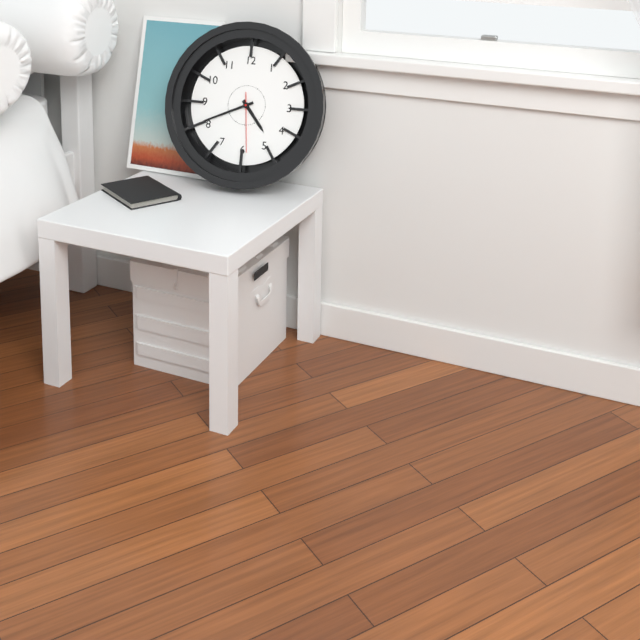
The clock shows 4.41.29
